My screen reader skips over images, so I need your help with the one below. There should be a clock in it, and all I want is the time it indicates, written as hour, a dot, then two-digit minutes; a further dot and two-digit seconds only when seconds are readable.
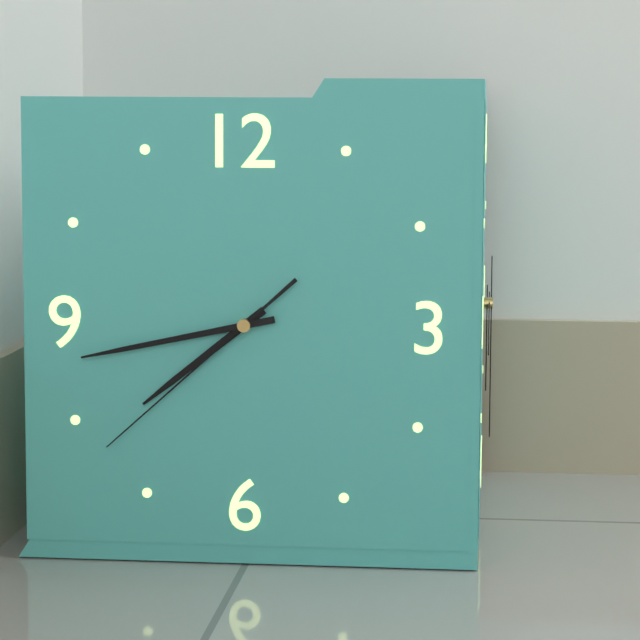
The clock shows 7.43.38
